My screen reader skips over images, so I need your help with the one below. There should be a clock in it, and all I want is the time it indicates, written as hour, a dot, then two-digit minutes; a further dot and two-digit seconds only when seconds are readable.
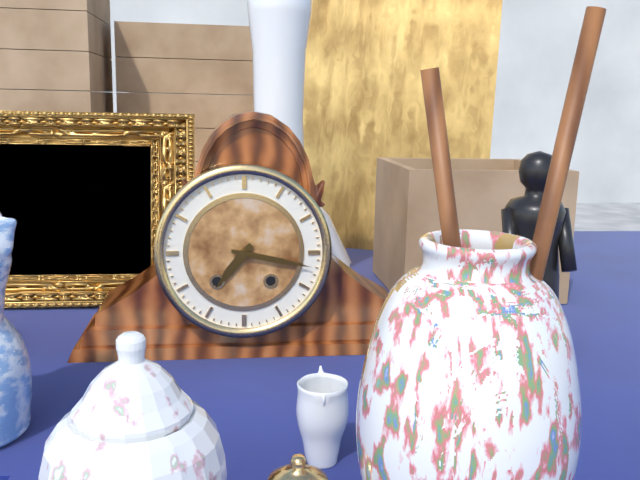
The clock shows 7.17
